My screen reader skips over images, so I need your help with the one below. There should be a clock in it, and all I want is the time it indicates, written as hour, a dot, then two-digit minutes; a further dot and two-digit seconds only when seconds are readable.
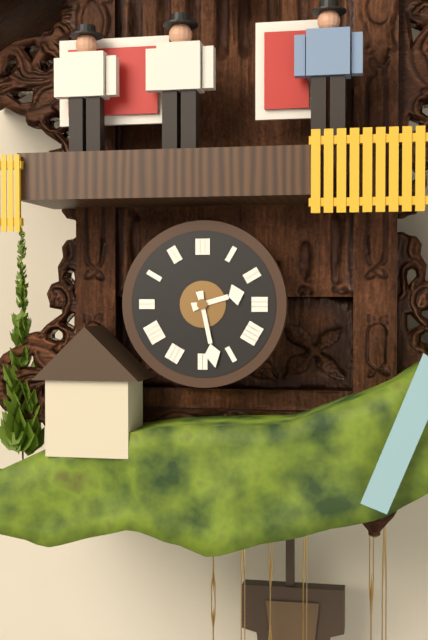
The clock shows 2.28
